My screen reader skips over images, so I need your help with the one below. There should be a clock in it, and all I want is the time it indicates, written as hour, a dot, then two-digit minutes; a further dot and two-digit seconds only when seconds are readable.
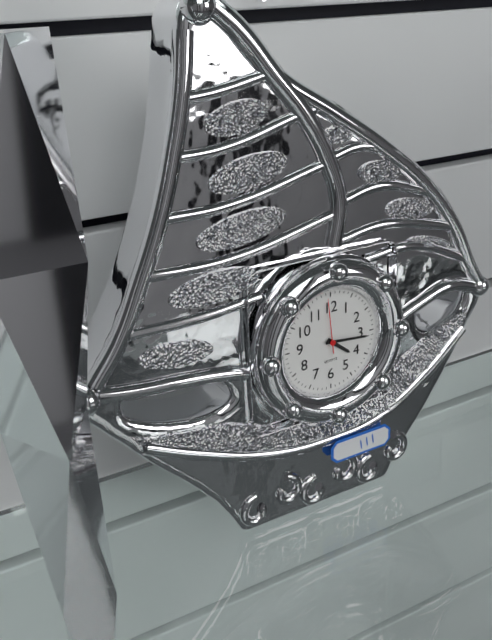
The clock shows 4.16.59
